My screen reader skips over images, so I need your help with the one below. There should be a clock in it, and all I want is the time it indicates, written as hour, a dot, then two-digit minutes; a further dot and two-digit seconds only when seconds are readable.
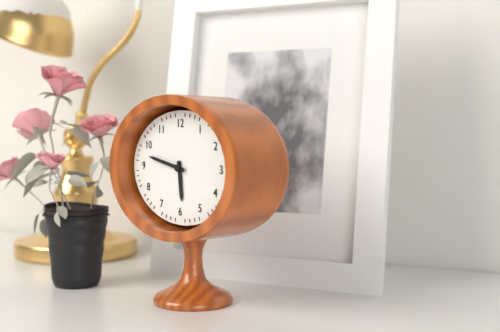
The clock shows 5.47
